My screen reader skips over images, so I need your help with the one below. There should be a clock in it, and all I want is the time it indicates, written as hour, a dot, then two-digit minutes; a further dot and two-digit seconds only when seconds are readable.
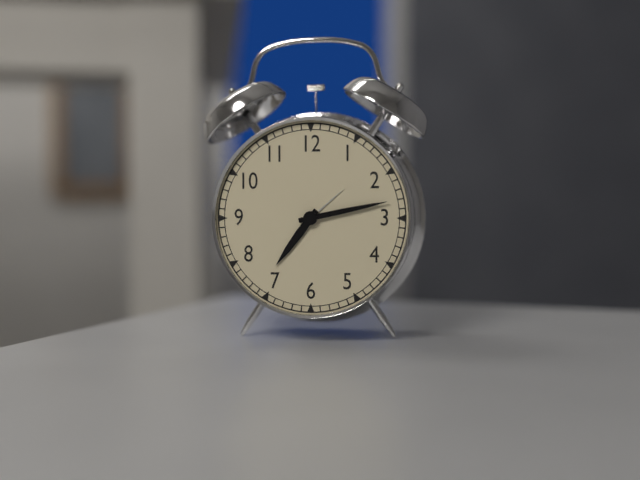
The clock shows 7.13
